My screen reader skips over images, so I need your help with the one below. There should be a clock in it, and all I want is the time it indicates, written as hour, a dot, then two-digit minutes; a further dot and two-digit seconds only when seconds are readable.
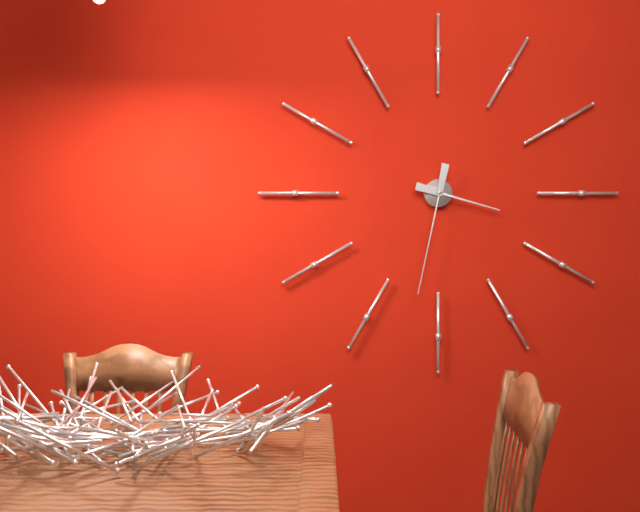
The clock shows 3.32
